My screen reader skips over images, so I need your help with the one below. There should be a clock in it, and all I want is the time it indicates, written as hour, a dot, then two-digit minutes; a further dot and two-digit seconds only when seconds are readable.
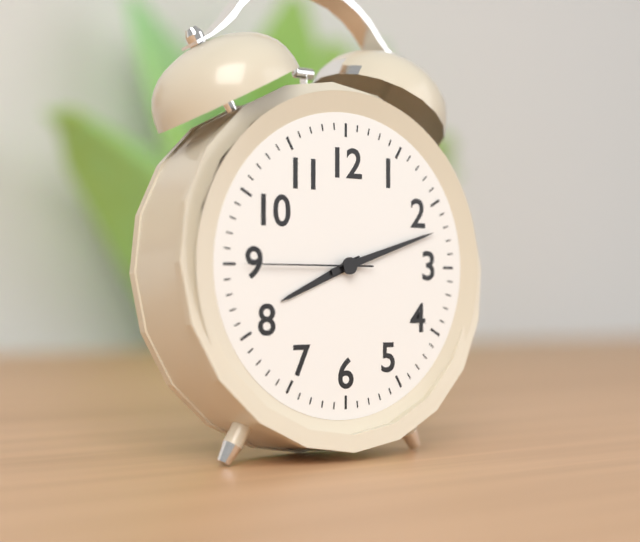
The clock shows 8.12.45
